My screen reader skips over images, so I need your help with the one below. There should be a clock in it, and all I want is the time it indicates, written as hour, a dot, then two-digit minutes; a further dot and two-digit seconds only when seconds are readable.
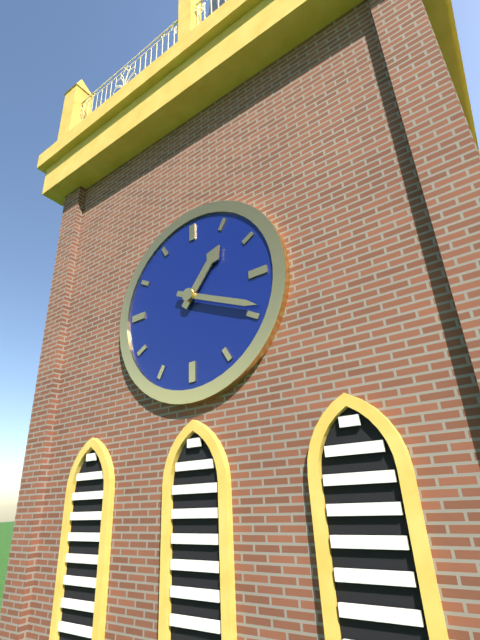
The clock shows 1.19
